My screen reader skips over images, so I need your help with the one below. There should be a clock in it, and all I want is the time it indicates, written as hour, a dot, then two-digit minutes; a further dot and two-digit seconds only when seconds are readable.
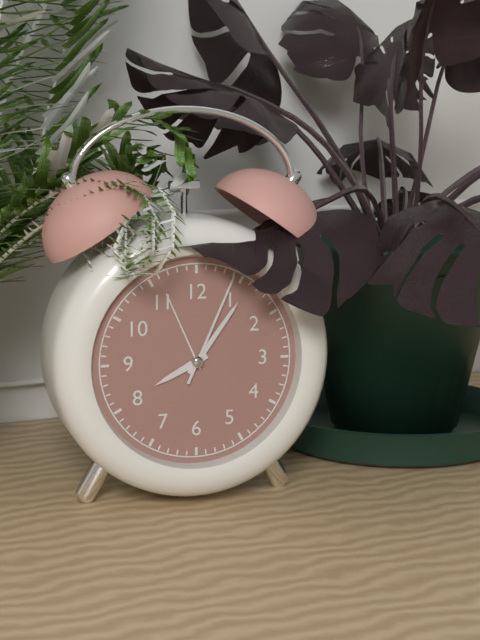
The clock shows 8.06.04
